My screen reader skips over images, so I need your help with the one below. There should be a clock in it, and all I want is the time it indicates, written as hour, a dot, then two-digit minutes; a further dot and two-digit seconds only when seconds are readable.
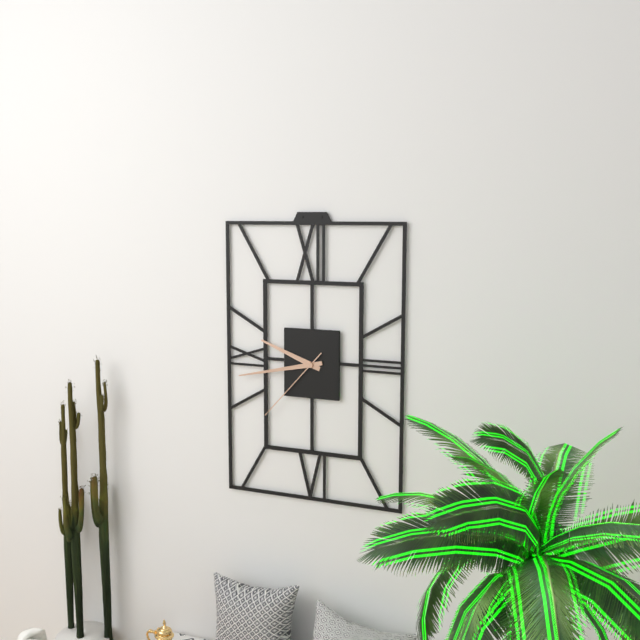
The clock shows 9.43.37
